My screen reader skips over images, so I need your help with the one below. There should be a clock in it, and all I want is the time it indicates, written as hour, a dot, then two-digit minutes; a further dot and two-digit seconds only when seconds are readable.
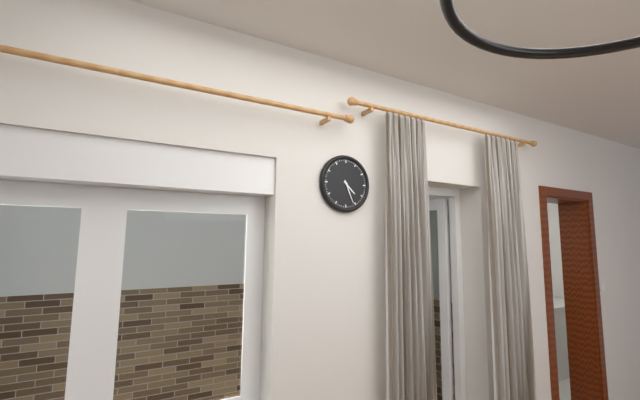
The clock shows 4.26
